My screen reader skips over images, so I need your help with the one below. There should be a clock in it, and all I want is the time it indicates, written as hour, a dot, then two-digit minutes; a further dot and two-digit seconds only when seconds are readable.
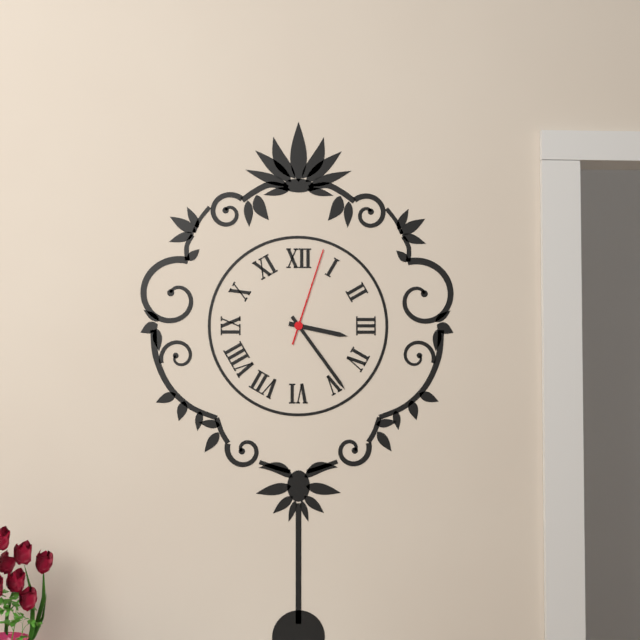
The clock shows 3.24.03
